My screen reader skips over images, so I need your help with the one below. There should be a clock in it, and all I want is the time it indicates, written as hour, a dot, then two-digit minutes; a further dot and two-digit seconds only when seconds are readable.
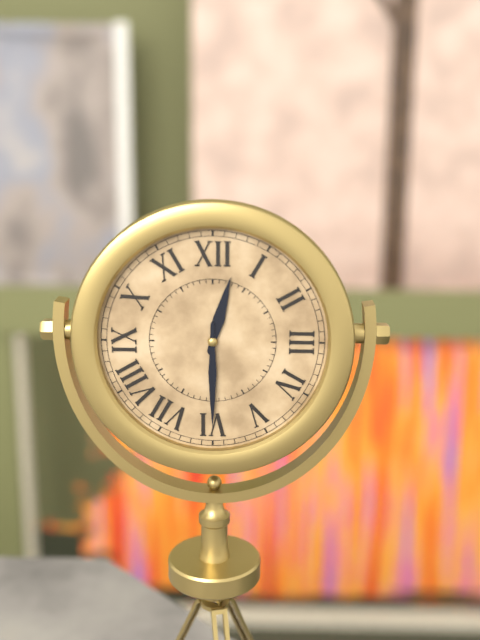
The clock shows 12.30
